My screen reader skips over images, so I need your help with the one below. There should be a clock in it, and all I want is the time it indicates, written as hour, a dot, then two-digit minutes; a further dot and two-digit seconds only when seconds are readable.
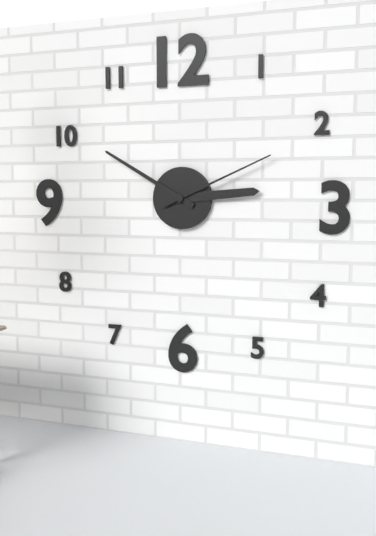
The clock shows 2.50.11
